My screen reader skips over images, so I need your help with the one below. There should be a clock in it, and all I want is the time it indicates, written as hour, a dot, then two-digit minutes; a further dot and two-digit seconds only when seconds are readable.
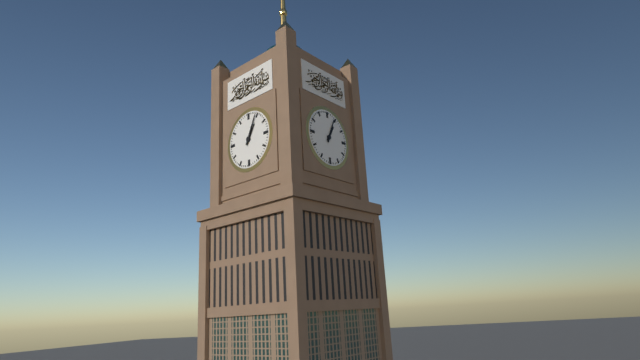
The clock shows 1.04
